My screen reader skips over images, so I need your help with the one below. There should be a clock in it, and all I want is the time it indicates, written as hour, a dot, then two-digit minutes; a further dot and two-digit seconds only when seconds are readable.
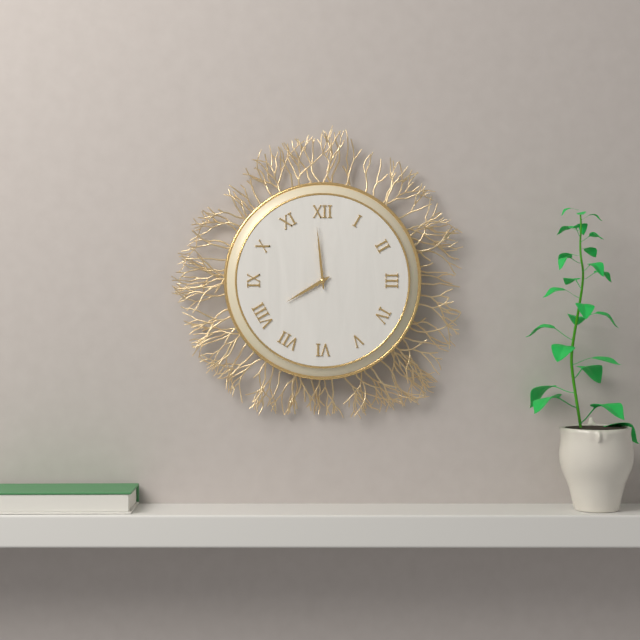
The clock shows 7.59
